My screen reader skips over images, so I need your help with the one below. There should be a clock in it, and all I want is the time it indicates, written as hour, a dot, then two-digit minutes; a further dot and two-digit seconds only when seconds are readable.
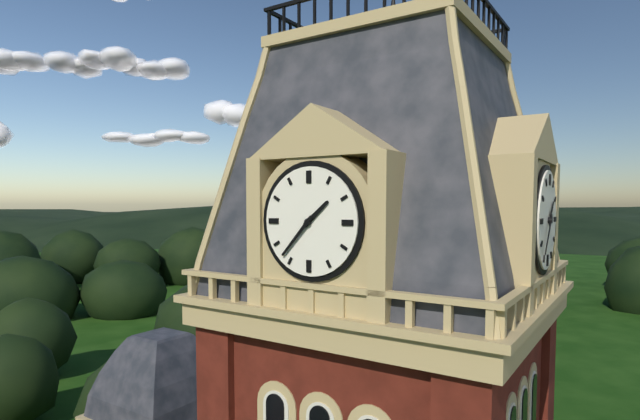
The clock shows 1.37
